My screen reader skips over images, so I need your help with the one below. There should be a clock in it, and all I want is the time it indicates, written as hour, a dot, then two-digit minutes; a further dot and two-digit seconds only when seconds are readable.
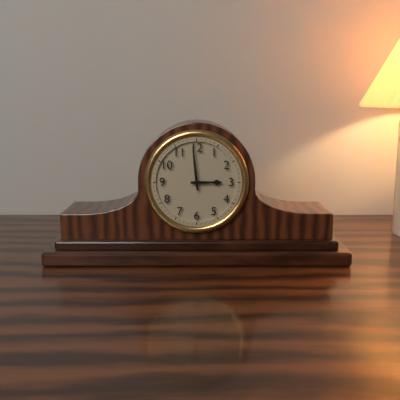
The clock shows 2.59
